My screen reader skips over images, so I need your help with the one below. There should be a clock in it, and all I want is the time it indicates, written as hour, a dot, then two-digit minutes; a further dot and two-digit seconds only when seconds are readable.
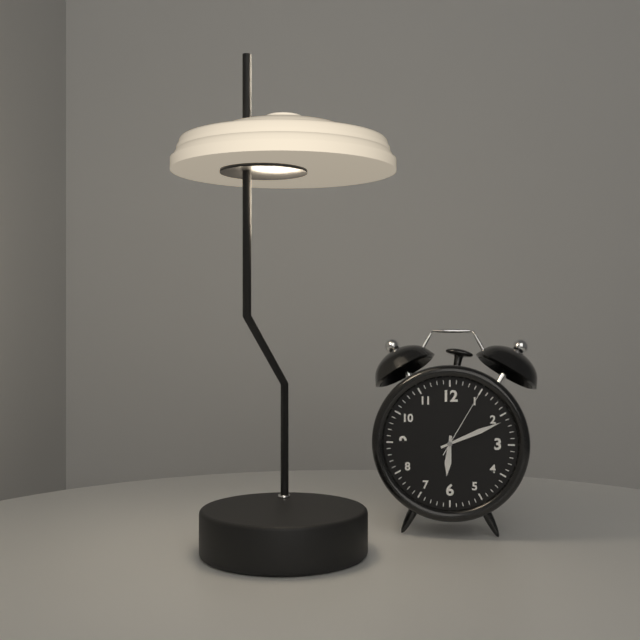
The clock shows 6.11.05
